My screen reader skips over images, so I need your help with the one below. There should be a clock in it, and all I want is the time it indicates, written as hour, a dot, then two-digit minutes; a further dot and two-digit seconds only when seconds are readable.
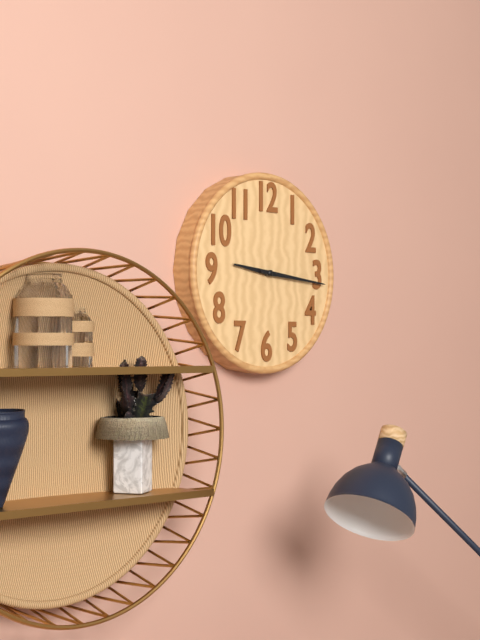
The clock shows 9.16
